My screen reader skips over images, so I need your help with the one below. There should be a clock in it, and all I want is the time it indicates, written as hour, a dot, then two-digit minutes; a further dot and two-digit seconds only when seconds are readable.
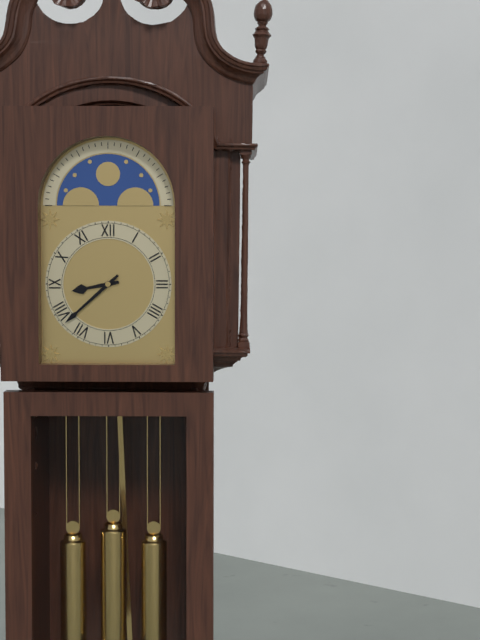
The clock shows 8.38
